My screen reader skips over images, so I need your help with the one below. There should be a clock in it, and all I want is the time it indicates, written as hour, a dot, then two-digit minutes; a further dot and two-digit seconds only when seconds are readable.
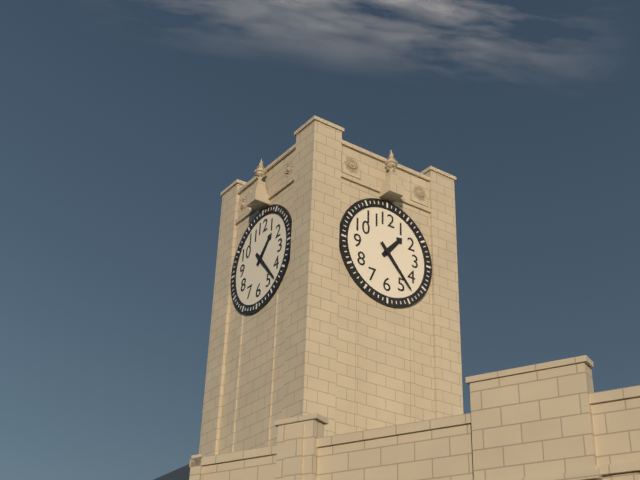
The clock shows 1.23
